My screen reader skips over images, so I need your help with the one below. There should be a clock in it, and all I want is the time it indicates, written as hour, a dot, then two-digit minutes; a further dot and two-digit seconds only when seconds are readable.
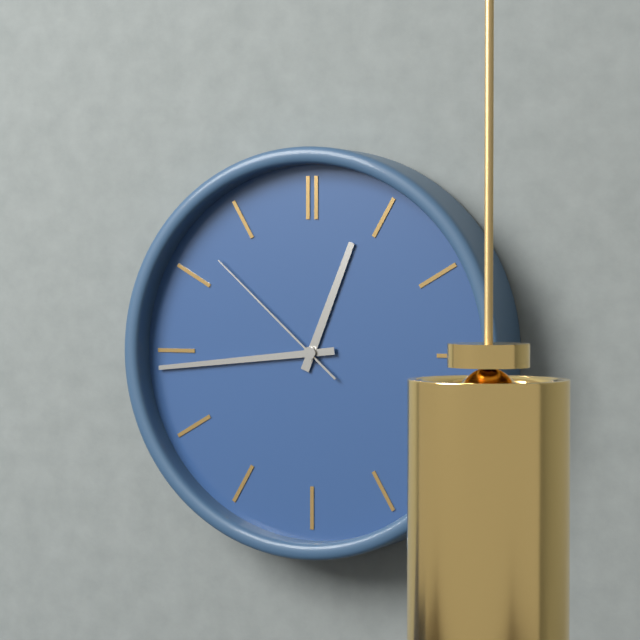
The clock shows 12.44.52
